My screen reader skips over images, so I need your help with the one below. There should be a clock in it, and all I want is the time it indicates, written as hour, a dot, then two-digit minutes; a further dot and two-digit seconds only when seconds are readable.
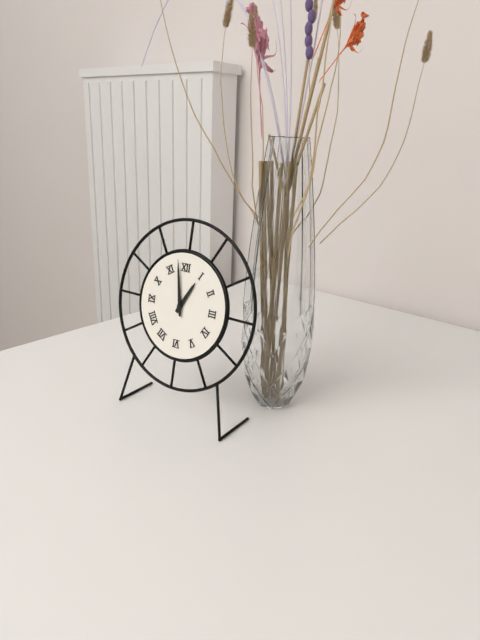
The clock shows 12.58
